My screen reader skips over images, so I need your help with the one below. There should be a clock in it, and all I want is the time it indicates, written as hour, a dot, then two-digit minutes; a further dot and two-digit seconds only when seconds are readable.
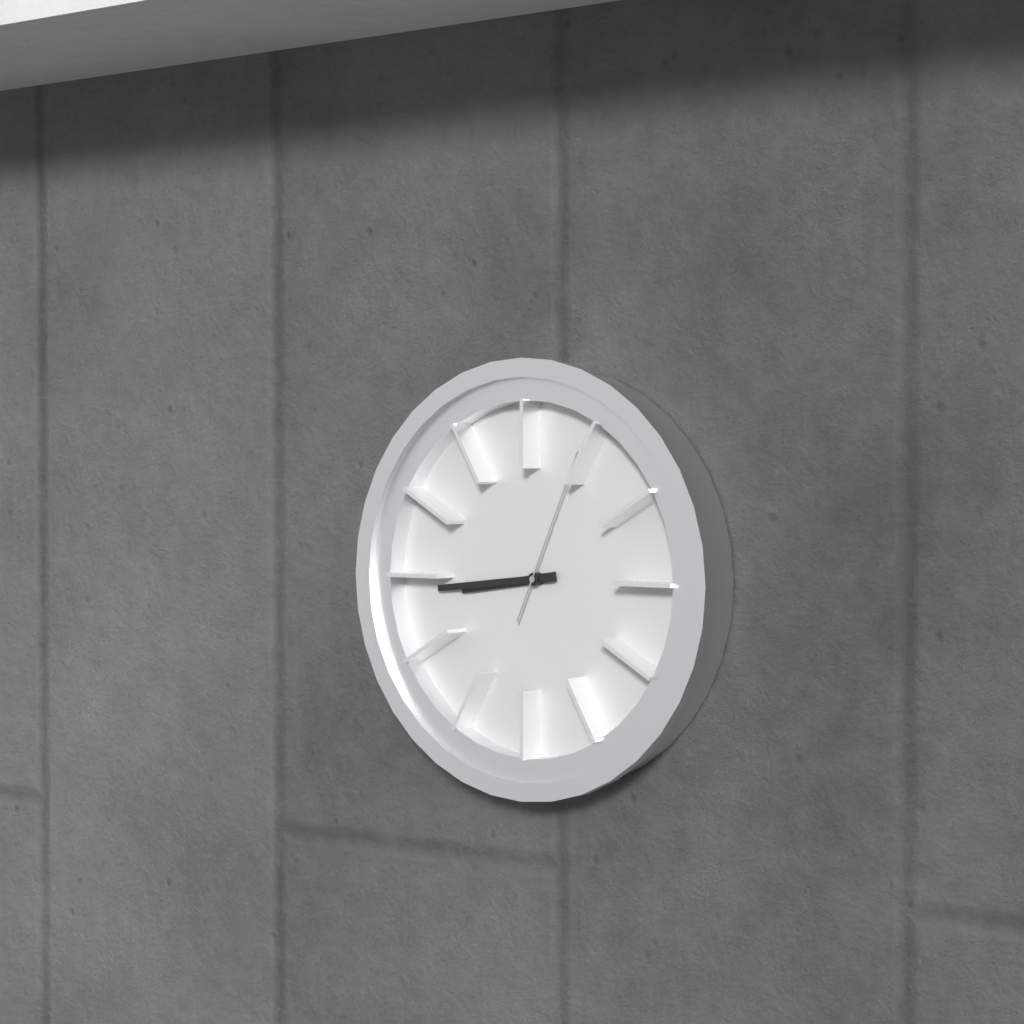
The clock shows 8.44.04
